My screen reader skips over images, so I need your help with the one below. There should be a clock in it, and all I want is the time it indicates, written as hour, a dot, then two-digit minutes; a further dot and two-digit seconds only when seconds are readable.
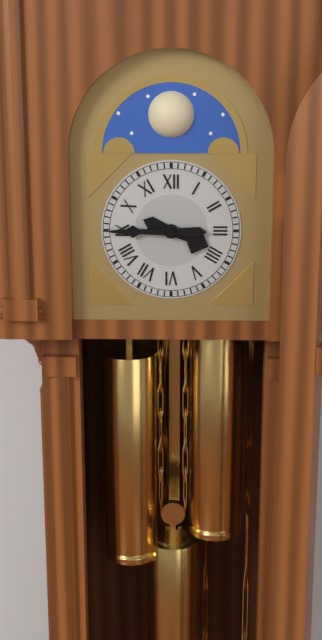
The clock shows 3.45
